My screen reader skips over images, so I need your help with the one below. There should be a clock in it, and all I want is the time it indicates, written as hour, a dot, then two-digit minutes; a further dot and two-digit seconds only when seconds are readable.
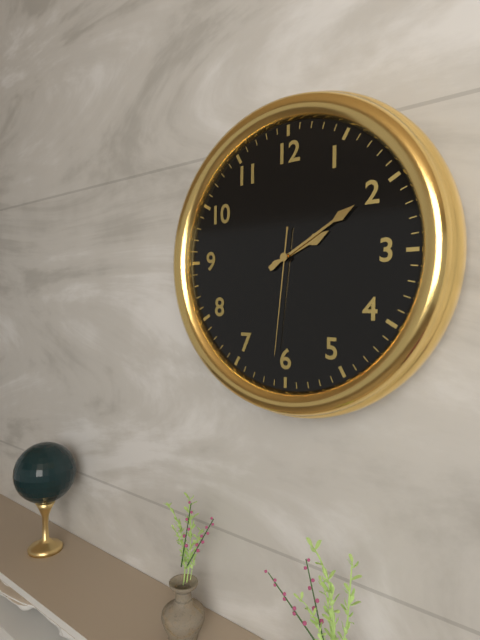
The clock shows 2.10.31
